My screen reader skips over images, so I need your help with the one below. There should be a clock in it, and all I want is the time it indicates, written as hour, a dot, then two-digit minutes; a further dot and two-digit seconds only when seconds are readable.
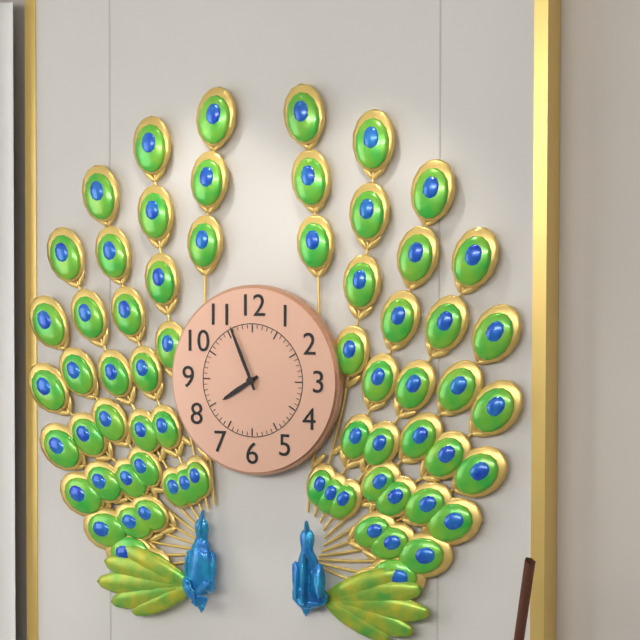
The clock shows 7.56
